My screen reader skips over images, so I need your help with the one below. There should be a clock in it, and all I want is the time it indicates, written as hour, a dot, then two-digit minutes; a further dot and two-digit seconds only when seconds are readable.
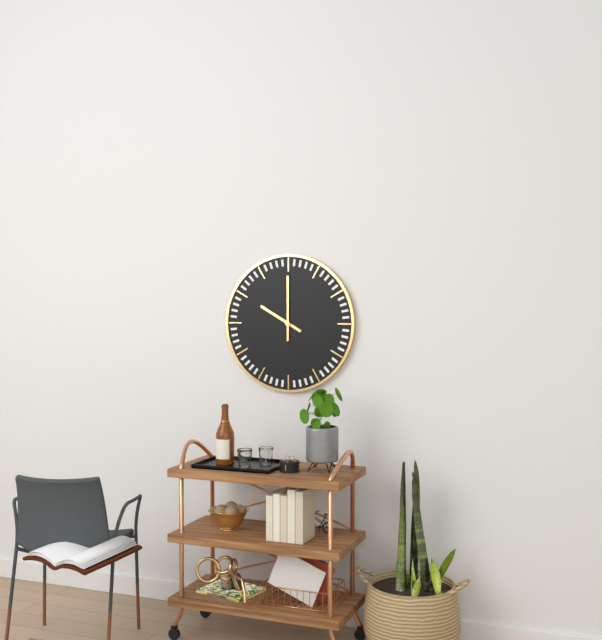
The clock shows 10.00
